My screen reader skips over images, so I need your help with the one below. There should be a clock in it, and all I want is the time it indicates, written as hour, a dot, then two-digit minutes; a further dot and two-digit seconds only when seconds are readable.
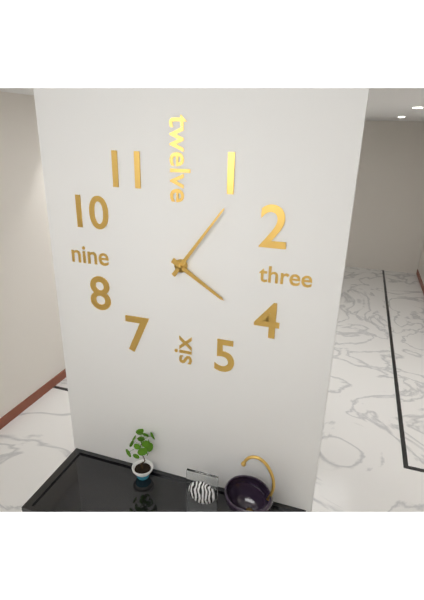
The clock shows 4.06
